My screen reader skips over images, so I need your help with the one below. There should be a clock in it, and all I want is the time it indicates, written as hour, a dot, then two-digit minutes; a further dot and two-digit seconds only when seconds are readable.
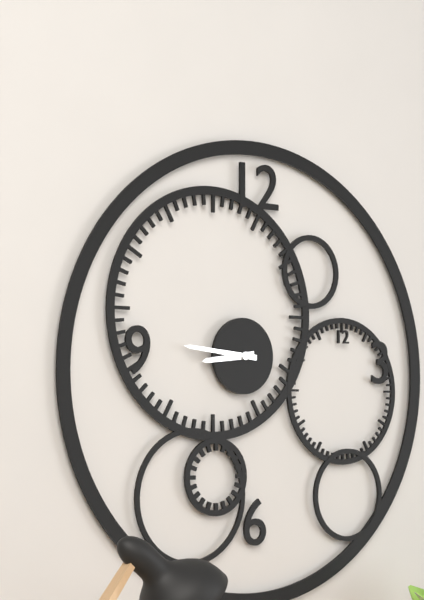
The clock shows 8.46
